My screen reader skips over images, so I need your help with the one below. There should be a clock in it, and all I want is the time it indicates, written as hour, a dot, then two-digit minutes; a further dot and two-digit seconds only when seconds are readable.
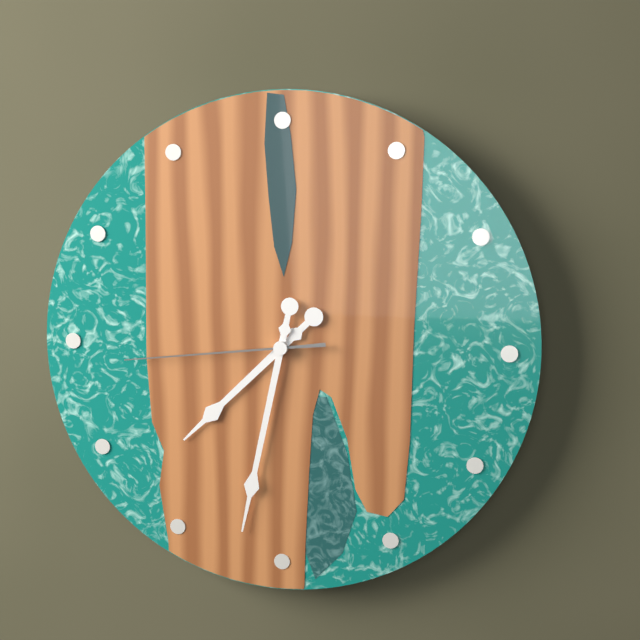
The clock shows 7.32.44
